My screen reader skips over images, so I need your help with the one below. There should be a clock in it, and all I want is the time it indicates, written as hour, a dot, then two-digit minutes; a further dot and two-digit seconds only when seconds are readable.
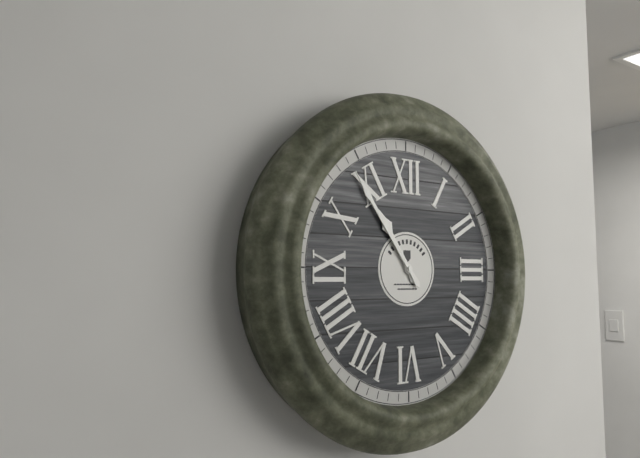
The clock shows 10.54
